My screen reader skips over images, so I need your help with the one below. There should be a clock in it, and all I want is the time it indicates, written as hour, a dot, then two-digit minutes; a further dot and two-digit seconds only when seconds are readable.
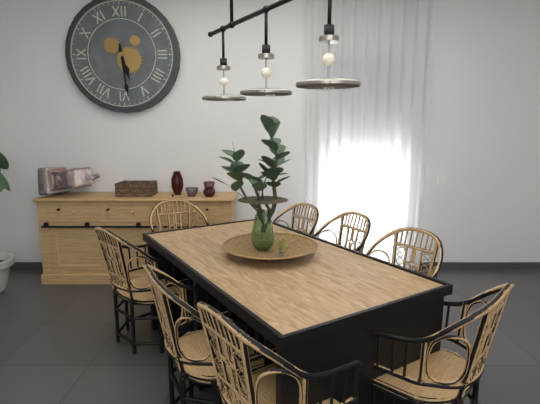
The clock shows 5.29
